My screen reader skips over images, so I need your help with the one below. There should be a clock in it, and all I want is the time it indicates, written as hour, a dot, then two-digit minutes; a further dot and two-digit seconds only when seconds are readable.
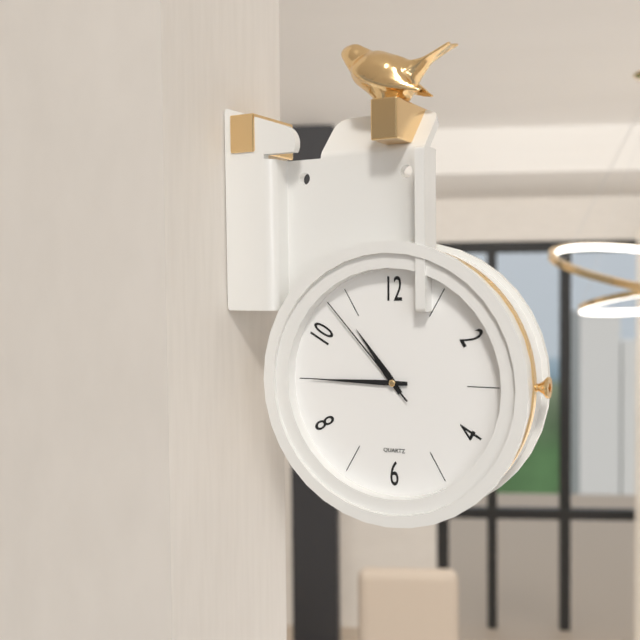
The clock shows 10.45.53
